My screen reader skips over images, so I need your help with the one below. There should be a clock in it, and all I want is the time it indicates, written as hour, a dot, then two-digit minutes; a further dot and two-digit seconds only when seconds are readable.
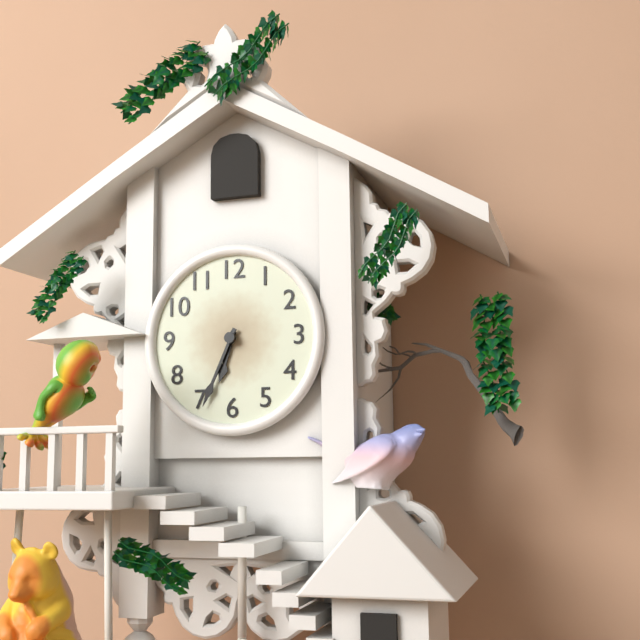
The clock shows 6.34
